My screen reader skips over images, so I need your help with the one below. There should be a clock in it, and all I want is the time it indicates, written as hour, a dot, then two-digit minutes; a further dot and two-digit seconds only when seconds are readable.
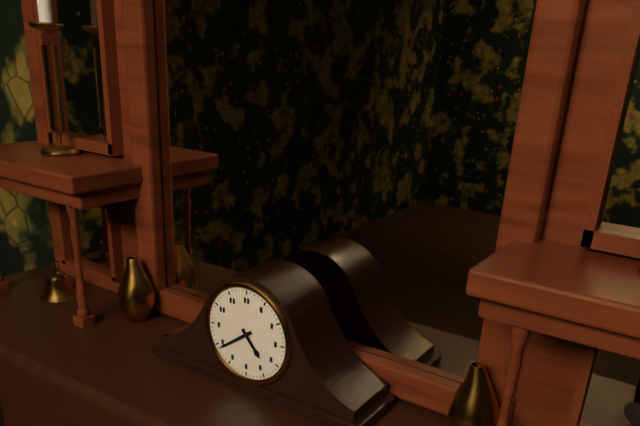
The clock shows 4.39
